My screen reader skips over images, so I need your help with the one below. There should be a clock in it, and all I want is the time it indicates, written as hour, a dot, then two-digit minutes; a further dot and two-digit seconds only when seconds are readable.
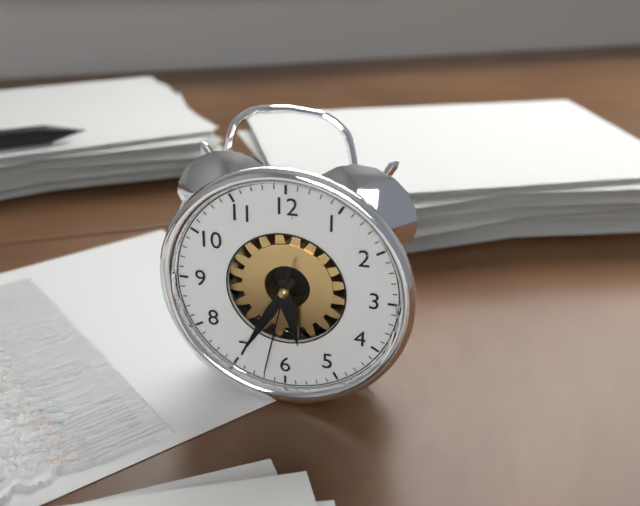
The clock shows 5.35.32
